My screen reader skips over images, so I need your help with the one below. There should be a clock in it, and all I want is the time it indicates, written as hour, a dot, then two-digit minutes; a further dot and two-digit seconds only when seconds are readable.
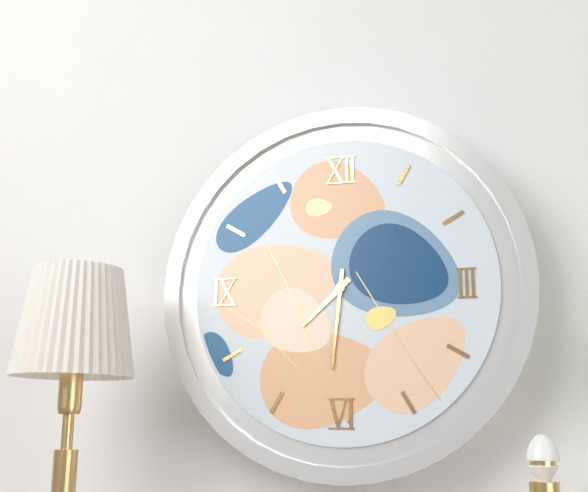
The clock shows 7.31
